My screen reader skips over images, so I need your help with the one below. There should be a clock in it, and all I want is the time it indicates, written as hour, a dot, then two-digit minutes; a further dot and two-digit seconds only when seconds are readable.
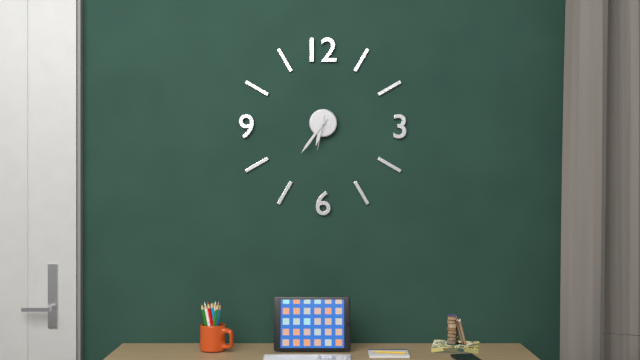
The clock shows 6.36
